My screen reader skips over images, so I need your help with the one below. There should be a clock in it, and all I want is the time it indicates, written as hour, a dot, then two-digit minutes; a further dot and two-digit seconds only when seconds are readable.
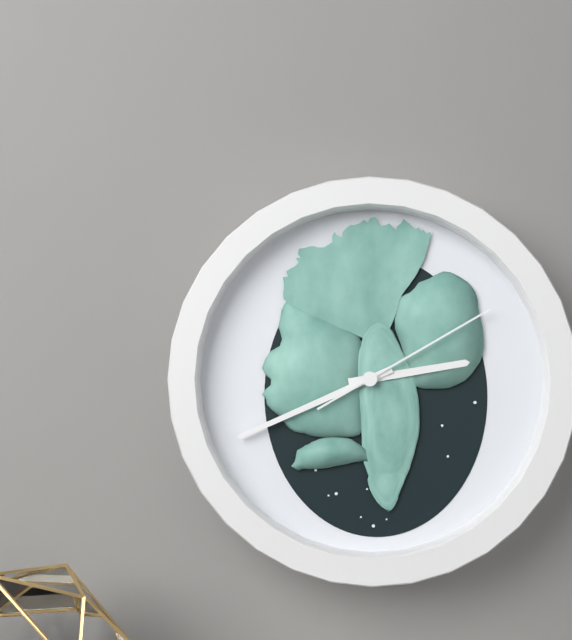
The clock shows 2.41.10
